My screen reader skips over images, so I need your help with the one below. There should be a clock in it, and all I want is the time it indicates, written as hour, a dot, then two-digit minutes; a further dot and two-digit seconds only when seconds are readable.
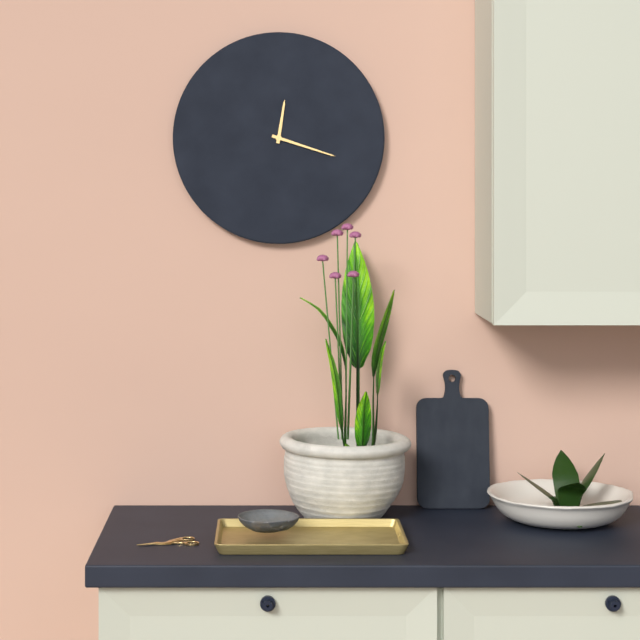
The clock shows 12.18
